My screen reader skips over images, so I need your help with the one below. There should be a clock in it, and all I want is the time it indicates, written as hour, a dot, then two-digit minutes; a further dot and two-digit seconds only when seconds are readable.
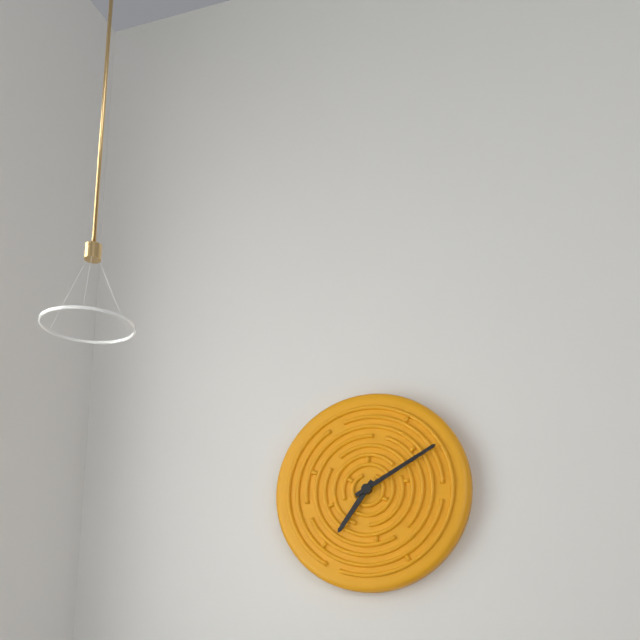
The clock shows 7.10
